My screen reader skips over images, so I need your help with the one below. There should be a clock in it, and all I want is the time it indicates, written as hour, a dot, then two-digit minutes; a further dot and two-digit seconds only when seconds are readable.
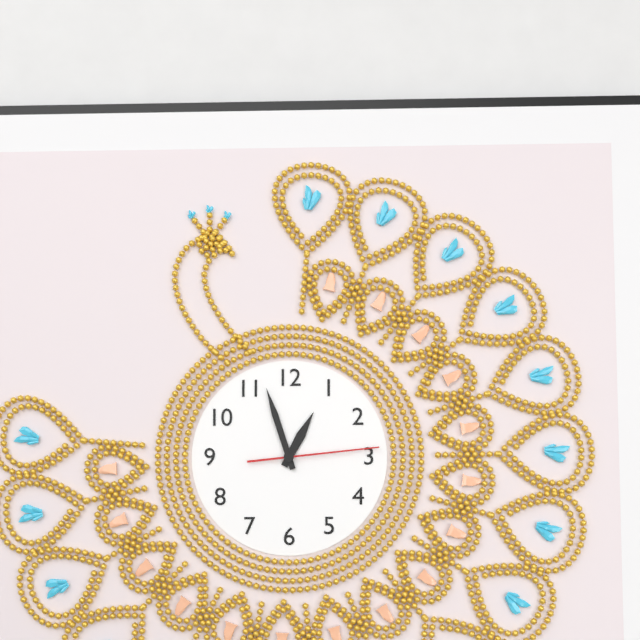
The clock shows 12.57.14
